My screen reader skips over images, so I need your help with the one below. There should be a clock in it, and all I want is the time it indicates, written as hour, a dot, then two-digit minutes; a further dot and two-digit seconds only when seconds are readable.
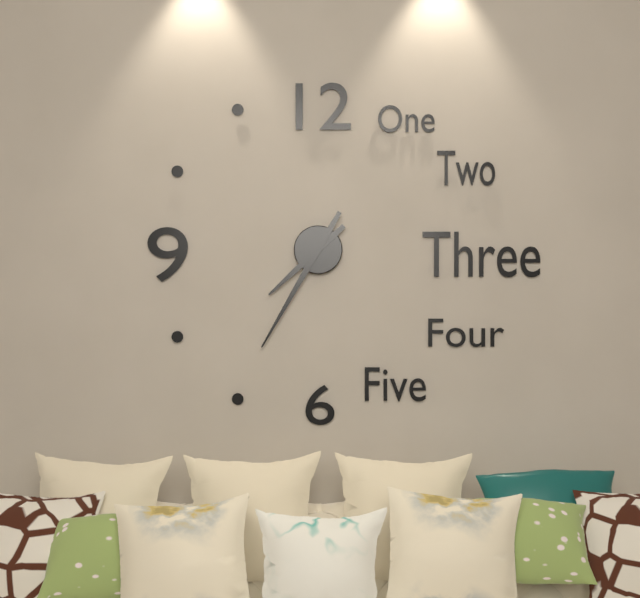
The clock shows 7.35
